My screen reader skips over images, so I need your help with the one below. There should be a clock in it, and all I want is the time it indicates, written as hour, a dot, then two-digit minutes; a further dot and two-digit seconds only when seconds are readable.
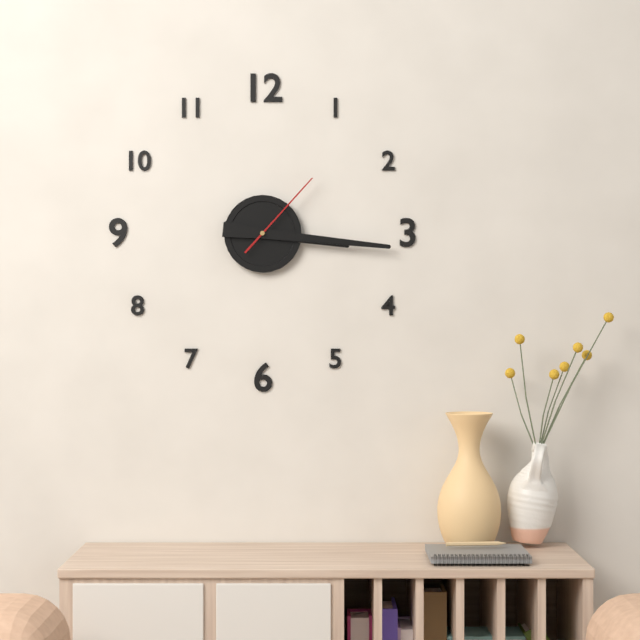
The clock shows 3.16.07
